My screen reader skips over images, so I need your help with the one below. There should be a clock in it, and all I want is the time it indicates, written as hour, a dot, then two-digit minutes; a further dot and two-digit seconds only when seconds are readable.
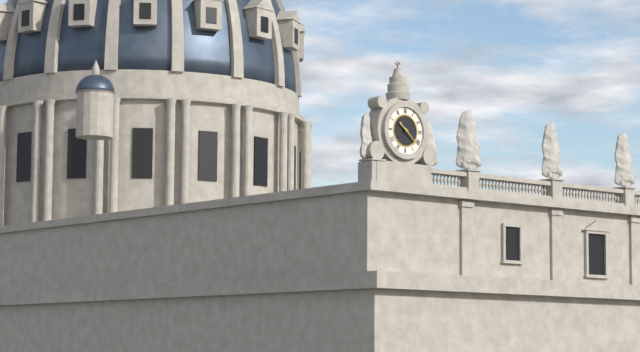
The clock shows 10.22
